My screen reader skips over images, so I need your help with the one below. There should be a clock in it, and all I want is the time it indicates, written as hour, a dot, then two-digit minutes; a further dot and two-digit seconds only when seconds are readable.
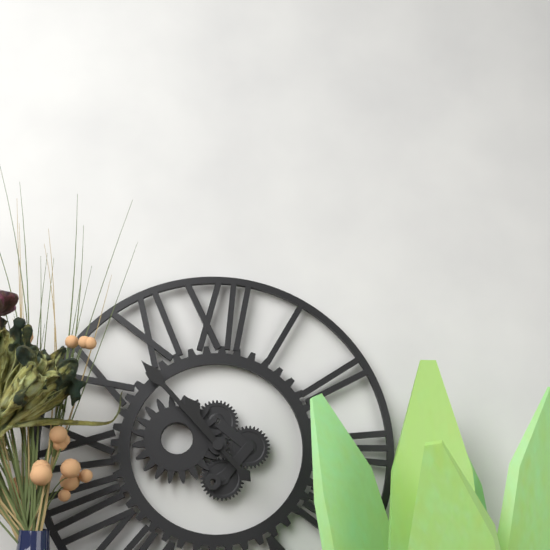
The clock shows 10.53
